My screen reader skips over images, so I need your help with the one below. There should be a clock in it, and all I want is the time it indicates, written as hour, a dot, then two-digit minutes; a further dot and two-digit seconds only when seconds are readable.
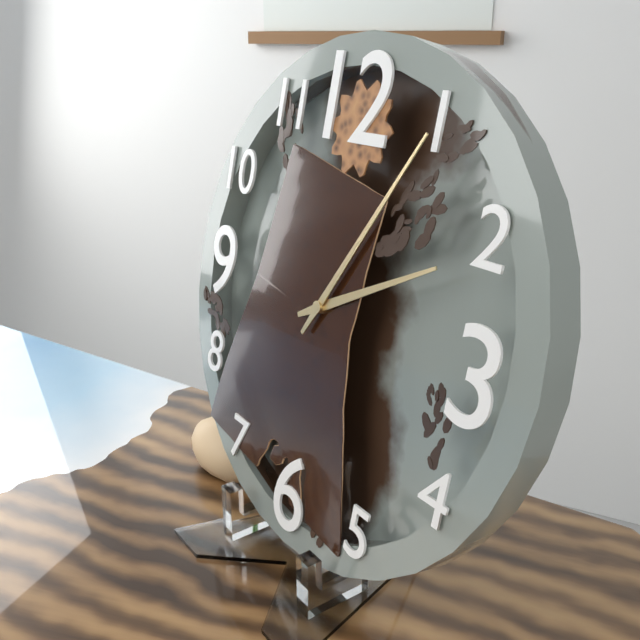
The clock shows 2.05
